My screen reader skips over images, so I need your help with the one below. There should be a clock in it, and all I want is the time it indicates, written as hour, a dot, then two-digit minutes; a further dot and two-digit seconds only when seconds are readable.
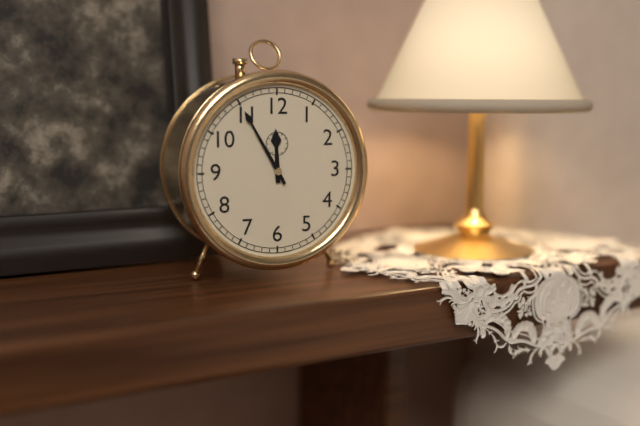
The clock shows 11.55
